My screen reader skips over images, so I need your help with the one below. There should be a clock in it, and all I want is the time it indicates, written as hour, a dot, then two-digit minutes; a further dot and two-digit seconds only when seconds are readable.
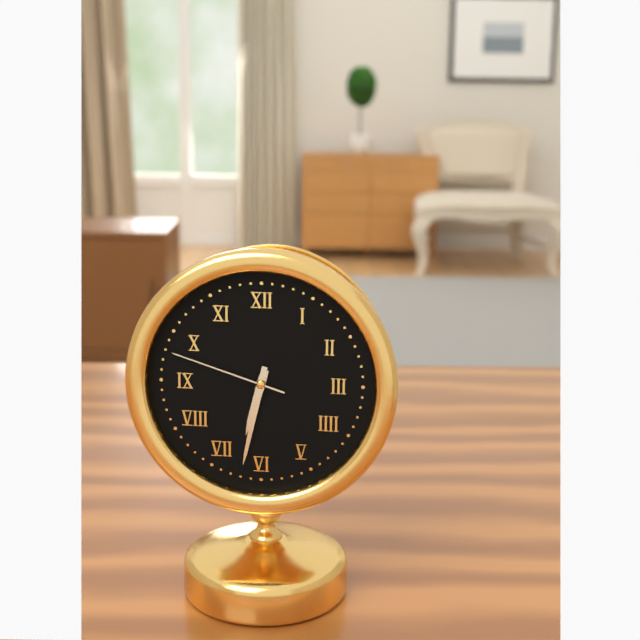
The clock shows 6.32.48
